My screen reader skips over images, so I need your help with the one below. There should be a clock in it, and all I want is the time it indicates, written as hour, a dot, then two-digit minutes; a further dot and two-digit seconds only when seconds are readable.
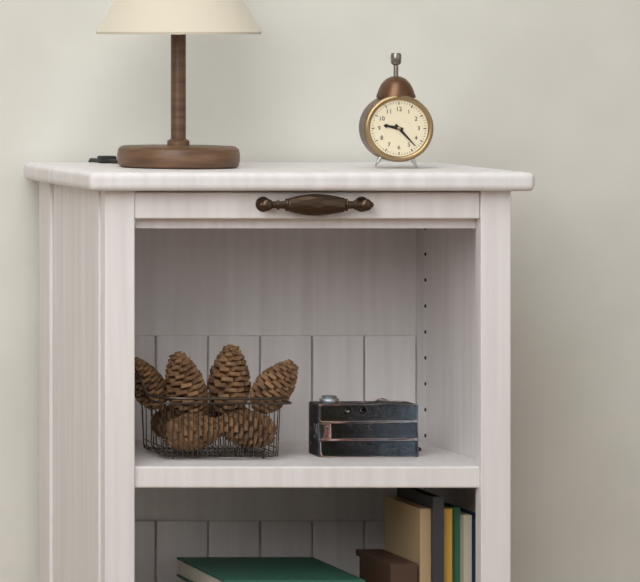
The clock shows 9.23
